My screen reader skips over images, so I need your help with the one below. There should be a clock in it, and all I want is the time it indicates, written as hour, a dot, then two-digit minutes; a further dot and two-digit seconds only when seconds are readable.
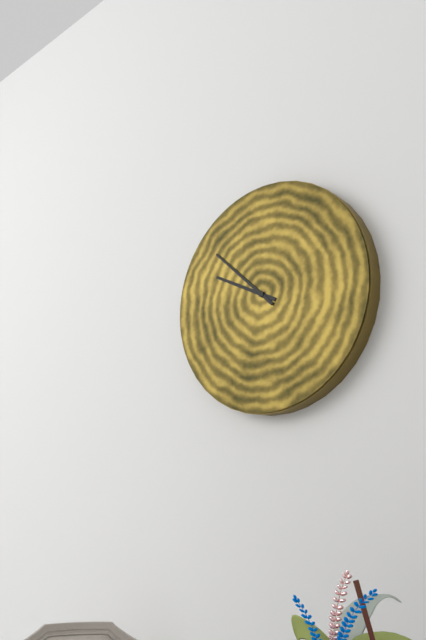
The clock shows 9.52
